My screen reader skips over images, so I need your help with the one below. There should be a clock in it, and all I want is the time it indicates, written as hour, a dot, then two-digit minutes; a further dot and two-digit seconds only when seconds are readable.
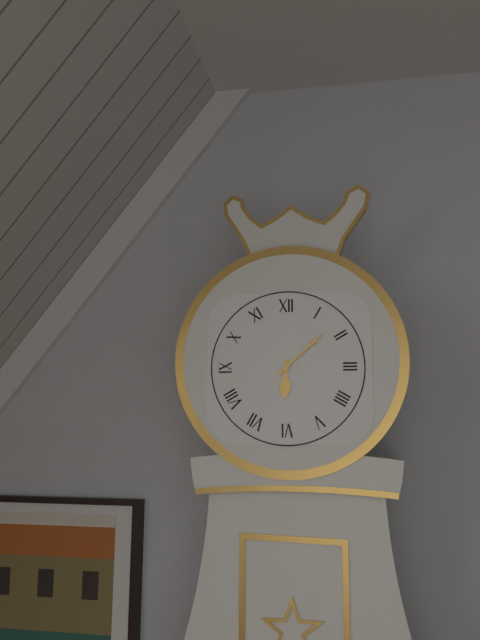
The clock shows 6.08
